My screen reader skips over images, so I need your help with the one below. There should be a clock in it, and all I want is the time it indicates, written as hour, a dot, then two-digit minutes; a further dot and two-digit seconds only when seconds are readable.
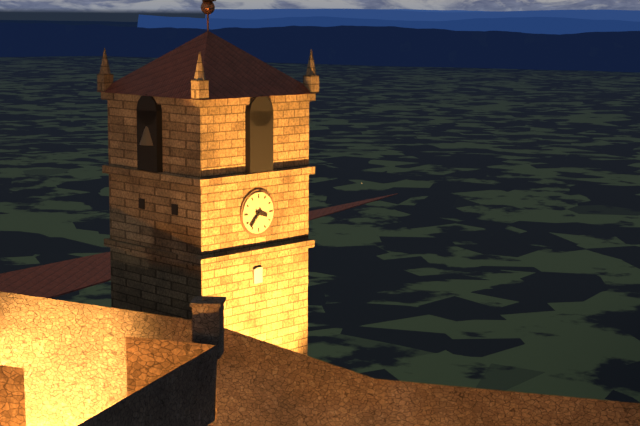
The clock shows 3.37
